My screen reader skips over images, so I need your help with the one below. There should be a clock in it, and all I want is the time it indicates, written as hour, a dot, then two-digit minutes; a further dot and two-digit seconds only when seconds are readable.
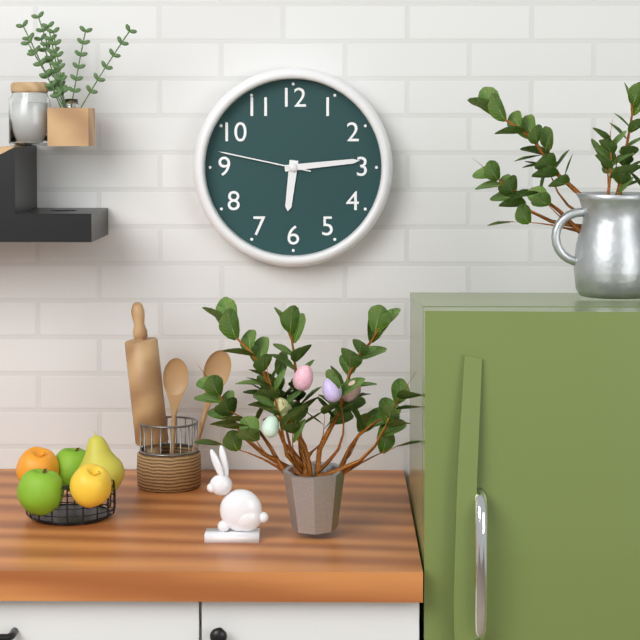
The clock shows 6.14.47
